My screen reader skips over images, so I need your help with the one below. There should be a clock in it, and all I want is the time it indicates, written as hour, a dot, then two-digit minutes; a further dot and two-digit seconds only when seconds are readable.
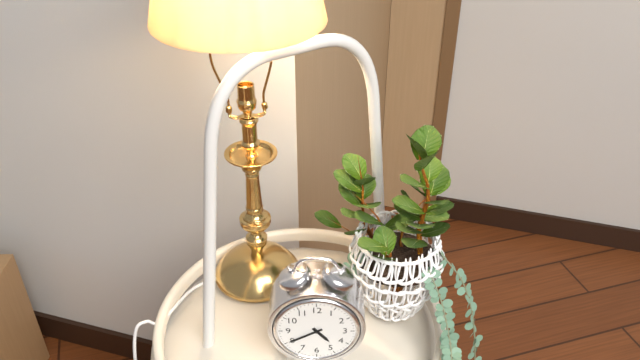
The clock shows 4.40
